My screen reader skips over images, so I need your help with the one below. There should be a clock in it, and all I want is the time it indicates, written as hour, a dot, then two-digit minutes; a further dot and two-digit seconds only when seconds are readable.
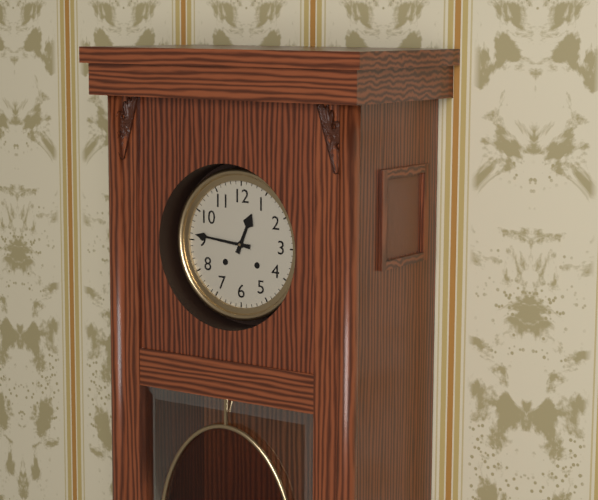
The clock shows 12.46
